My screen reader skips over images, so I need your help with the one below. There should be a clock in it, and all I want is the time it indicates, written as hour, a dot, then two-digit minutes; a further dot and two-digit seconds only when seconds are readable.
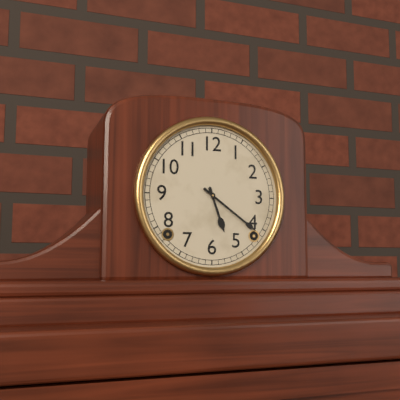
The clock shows 5.21
